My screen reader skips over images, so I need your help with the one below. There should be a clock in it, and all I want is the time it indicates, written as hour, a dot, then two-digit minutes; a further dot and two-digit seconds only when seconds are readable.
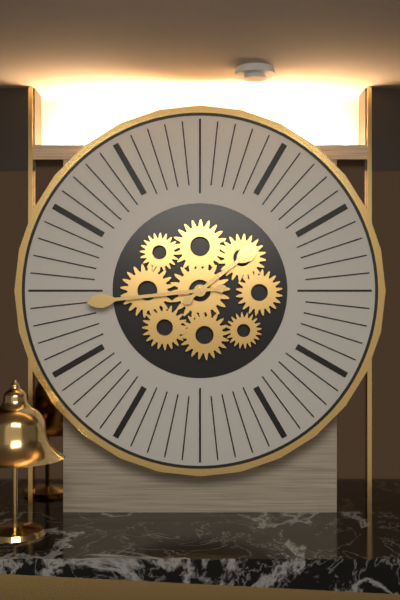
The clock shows 1.44
